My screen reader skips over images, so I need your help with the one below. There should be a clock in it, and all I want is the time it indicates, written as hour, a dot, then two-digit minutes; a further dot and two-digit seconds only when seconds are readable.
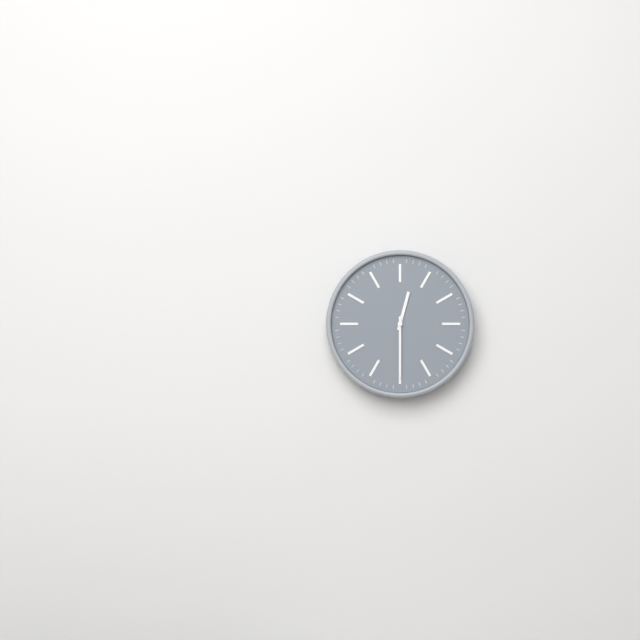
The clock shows 12.30
